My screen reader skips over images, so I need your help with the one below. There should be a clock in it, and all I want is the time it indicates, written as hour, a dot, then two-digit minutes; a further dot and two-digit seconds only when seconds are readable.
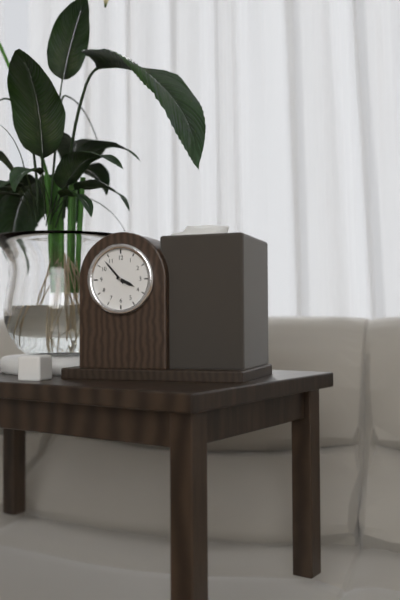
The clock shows 3.53
